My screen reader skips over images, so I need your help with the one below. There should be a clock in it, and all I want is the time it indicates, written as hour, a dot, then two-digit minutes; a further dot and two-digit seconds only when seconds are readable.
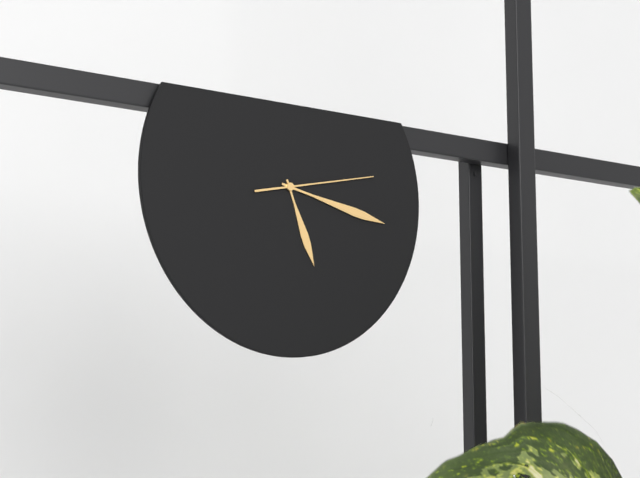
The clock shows 5.17.13
